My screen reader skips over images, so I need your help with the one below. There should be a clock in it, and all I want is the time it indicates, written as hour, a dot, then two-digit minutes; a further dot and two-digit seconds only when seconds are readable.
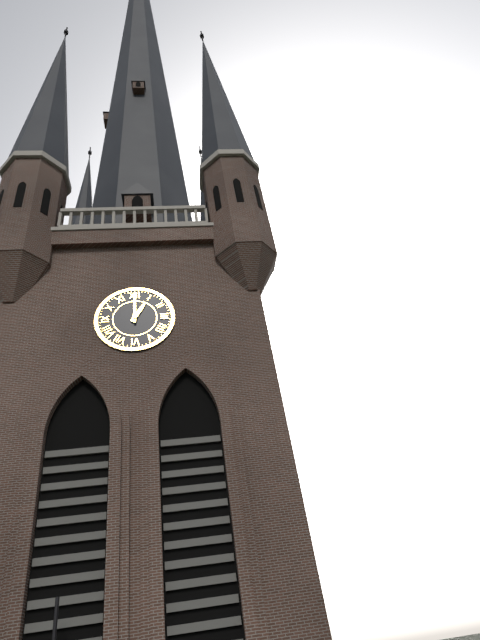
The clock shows 1.00
